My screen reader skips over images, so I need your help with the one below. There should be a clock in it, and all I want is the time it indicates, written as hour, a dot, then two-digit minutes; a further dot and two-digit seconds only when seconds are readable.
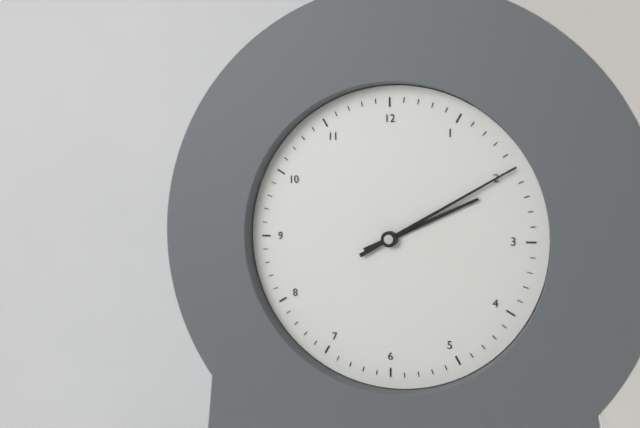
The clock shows 2.10
